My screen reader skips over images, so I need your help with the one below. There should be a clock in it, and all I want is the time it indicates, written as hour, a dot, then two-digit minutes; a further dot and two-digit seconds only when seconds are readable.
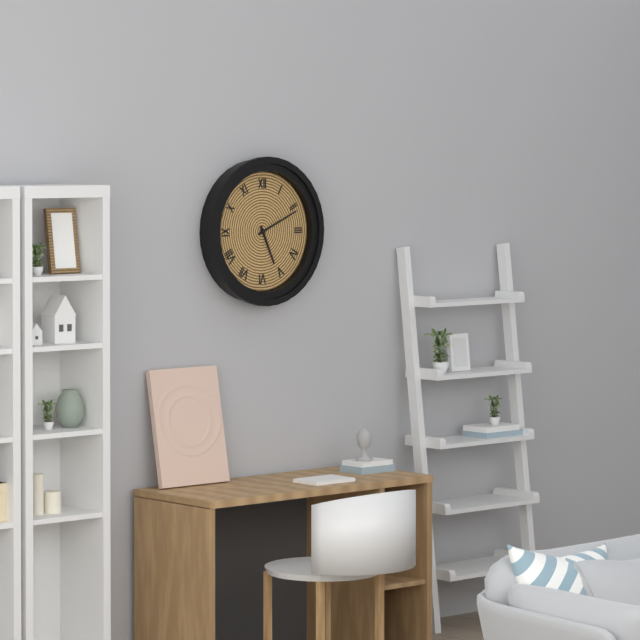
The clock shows 5.11
